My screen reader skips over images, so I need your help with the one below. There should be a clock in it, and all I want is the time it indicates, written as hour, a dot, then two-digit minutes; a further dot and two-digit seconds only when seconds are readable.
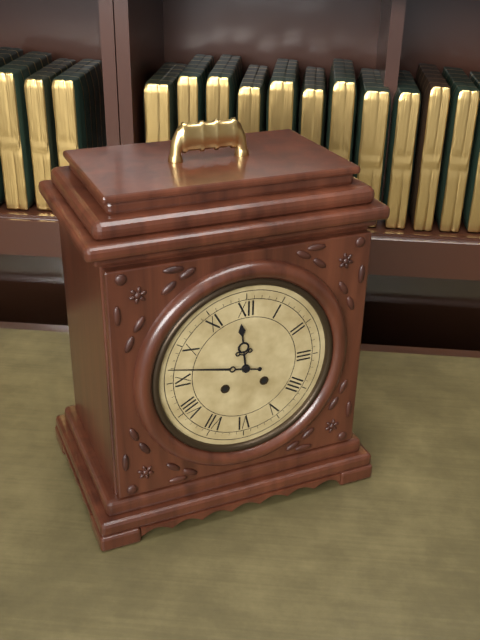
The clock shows 11.47
